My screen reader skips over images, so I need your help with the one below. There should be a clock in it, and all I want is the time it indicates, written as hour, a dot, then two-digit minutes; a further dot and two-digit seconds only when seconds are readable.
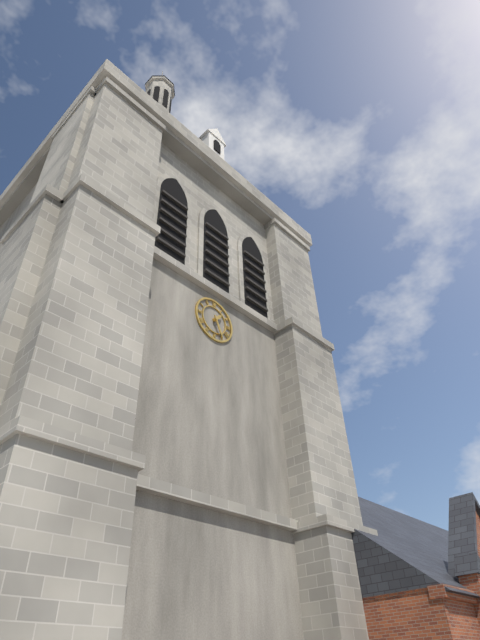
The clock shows 1.26
